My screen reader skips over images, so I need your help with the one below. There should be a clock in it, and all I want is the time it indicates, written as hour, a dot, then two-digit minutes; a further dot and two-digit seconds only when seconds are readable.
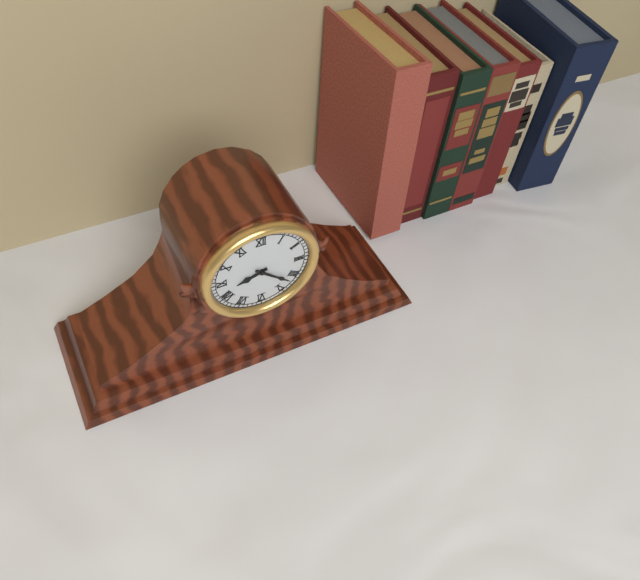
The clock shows 8.22
